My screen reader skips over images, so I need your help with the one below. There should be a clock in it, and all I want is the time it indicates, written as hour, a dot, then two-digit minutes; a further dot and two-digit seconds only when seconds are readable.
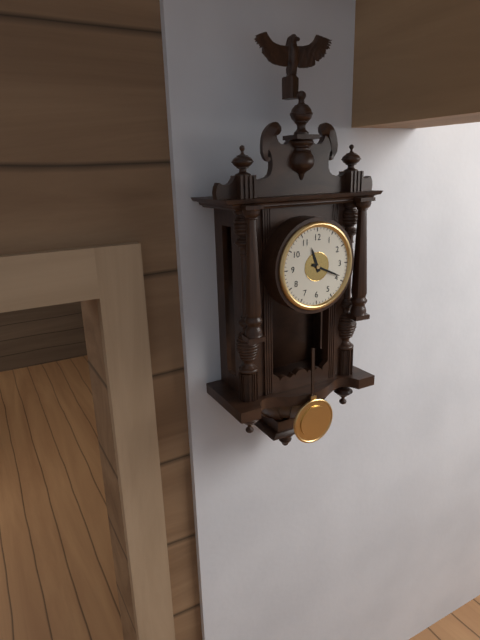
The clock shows 11.19
